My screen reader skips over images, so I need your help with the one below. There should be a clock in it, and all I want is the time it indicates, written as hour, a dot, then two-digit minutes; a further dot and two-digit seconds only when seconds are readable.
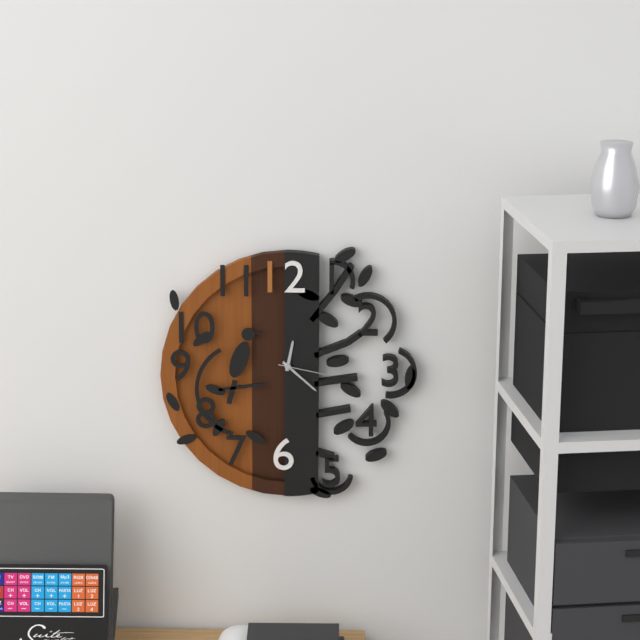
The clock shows 12.22.17
